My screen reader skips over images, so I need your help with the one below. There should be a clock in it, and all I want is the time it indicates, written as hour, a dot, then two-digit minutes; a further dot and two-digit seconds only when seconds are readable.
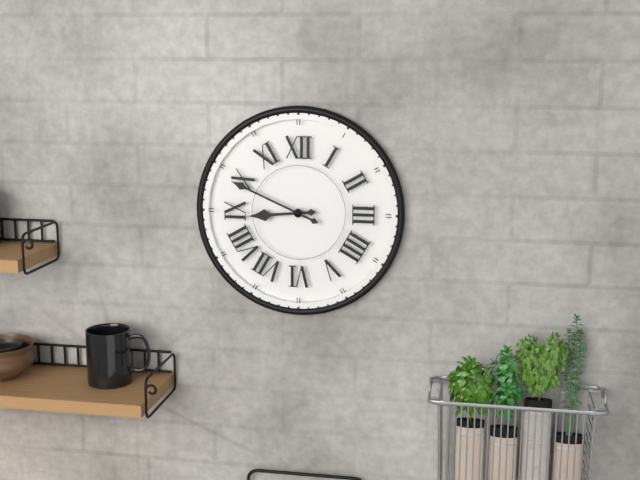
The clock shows 8.49
